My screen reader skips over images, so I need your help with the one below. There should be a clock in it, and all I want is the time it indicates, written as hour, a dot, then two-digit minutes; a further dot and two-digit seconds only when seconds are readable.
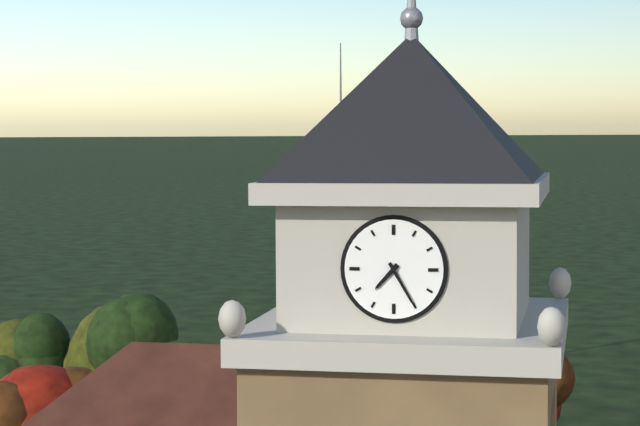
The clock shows 7.25
